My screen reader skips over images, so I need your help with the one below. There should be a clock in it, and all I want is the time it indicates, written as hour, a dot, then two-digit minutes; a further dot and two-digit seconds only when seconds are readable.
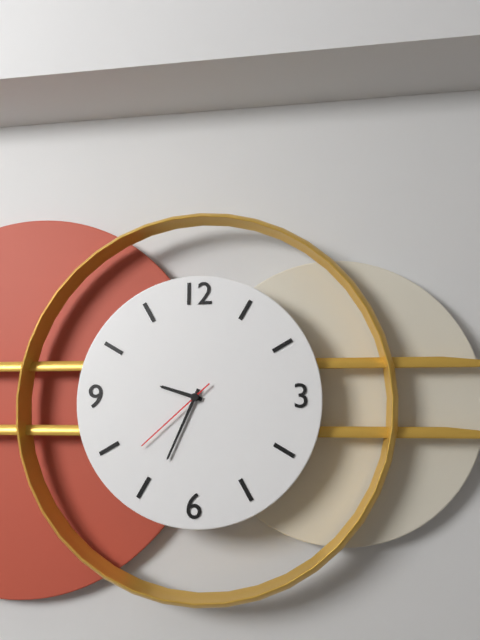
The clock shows 9.34.38
